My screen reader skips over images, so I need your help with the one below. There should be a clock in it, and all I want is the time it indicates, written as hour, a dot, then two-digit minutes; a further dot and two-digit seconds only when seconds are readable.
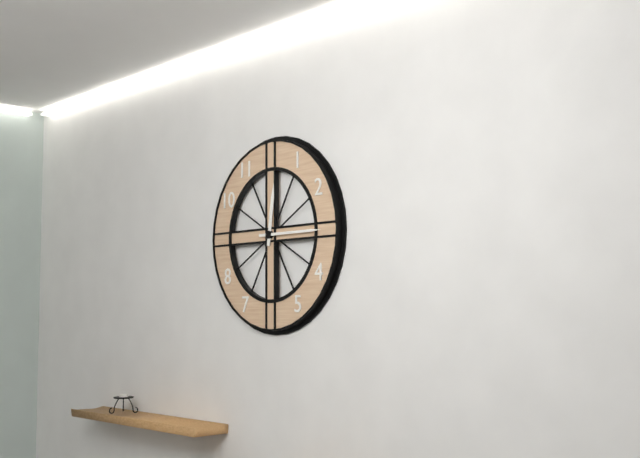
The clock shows 12.15
